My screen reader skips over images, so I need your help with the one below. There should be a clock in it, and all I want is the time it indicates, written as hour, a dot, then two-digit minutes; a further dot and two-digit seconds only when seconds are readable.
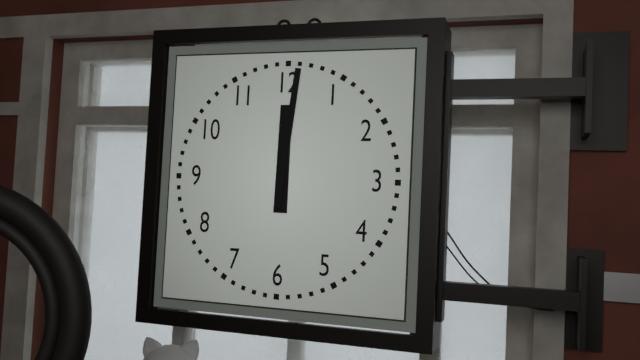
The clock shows 12.01
